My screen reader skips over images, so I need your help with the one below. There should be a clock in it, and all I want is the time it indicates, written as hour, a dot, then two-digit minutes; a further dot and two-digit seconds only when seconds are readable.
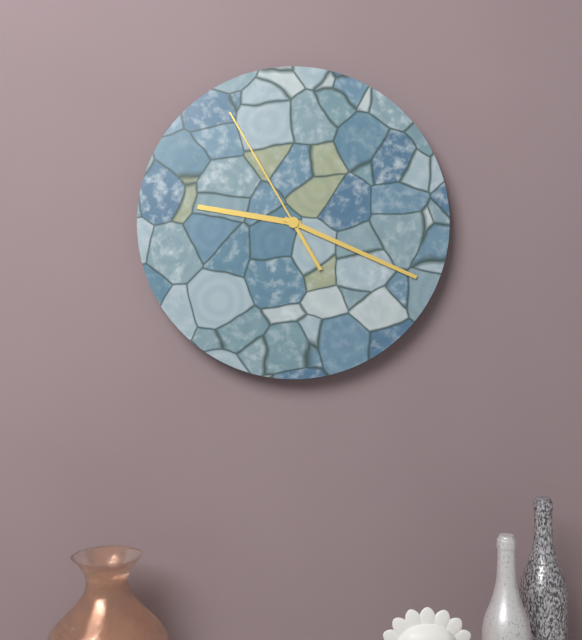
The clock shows 9.19.55
